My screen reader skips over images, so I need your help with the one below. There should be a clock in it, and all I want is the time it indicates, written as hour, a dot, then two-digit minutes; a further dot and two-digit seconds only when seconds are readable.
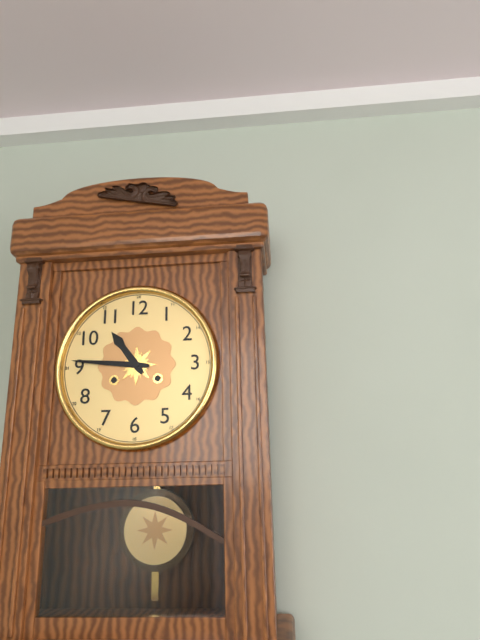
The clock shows 10.46
